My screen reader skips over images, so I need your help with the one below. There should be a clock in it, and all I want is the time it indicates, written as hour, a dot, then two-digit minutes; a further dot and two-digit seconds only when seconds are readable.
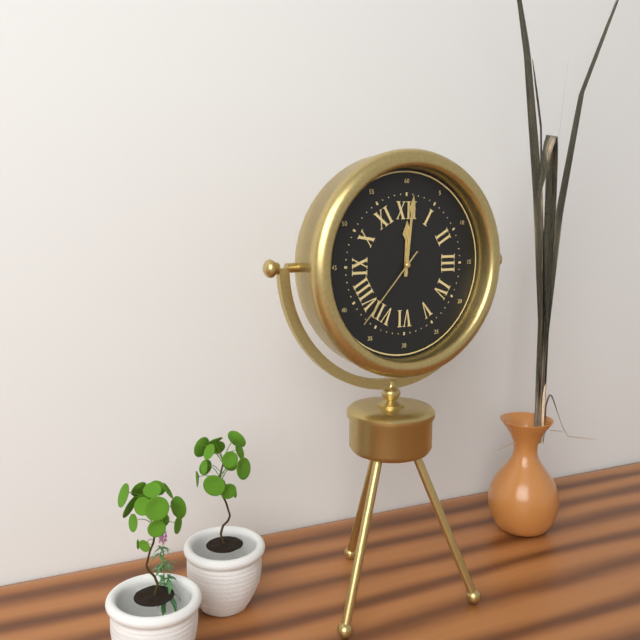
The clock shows 12.01.37
